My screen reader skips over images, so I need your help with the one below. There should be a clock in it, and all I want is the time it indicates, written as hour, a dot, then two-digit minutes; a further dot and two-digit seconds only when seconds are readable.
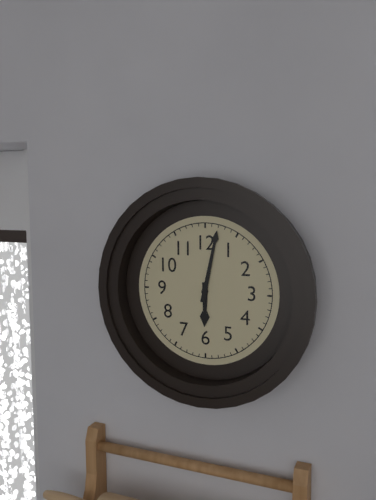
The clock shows 6.02
